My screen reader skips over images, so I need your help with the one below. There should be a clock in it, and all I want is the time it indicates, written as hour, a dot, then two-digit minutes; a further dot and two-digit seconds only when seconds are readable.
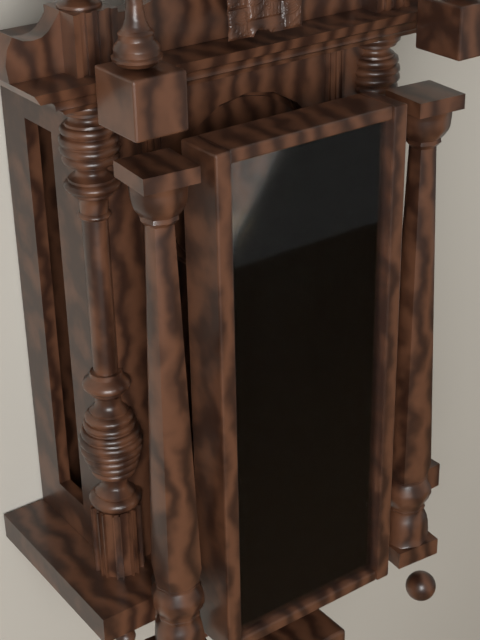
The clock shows 6.20
